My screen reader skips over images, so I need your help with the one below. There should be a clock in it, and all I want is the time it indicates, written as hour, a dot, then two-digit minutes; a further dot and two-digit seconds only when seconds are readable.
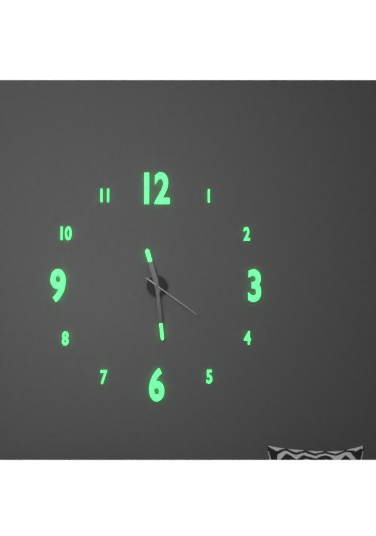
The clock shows 11.29.21
